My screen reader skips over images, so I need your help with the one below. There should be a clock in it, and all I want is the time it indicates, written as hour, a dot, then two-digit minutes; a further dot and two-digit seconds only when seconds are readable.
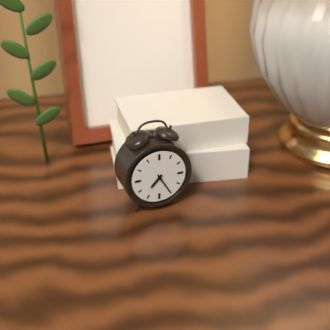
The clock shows 7.25
